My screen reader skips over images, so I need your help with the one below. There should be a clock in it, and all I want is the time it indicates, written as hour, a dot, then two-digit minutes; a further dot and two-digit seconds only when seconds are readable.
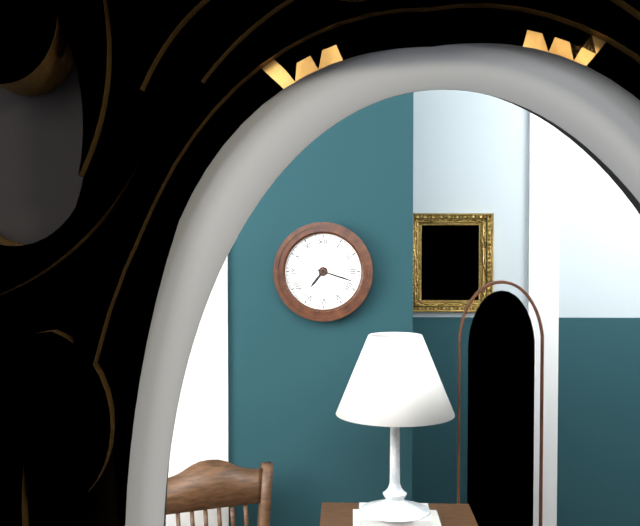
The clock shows 7.18
